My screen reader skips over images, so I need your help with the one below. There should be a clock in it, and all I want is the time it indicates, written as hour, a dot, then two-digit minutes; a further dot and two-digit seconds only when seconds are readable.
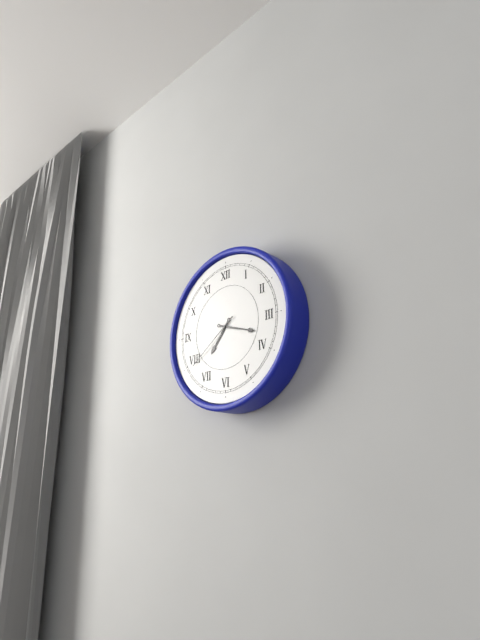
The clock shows 7.18.39
